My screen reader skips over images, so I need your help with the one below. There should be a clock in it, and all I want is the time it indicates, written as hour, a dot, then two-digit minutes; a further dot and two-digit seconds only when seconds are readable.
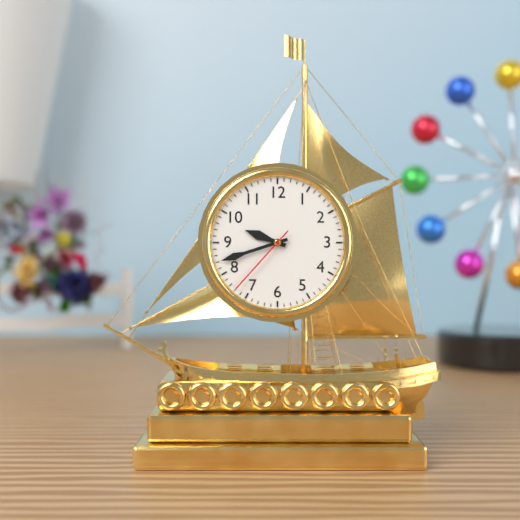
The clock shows 9.42.37
